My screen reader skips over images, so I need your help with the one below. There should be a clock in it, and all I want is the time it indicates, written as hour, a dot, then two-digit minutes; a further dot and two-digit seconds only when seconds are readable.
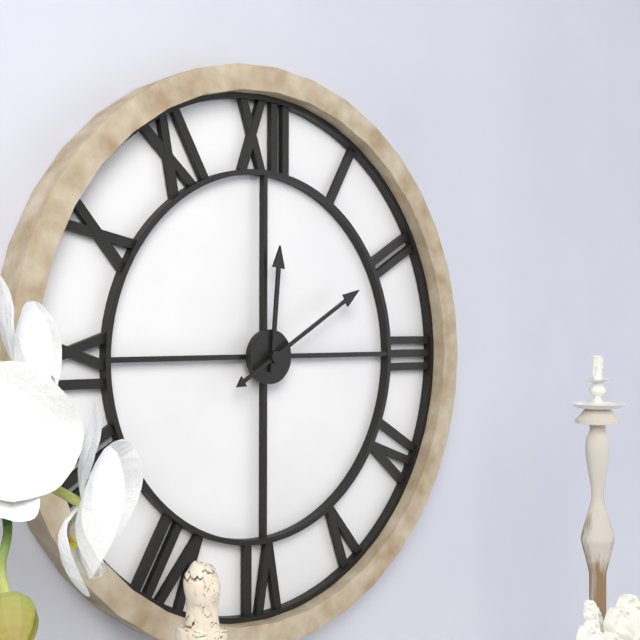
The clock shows 12.10
